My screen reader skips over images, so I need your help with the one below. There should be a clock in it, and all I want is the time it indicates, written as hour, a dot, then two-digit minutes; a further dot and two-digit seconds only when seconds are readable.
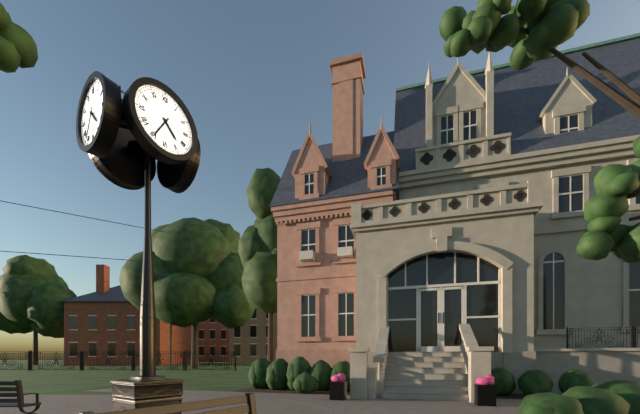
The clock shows 4.35
